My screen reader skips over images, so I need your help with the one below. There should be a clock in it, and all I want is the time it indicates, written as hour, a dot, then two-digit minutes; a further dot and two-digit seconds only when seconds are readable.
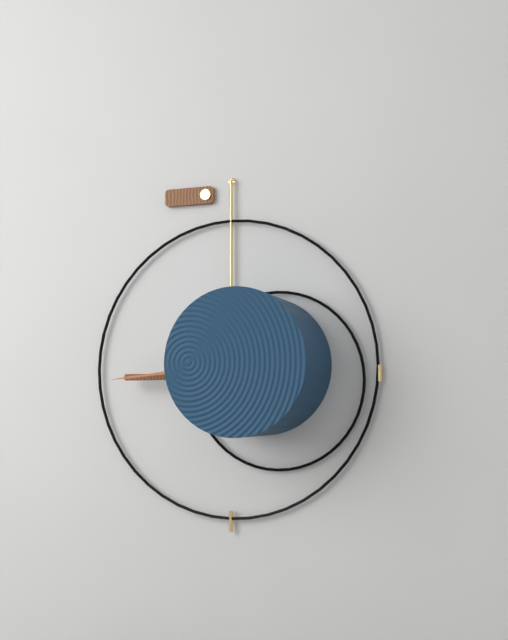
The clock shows 3.44
